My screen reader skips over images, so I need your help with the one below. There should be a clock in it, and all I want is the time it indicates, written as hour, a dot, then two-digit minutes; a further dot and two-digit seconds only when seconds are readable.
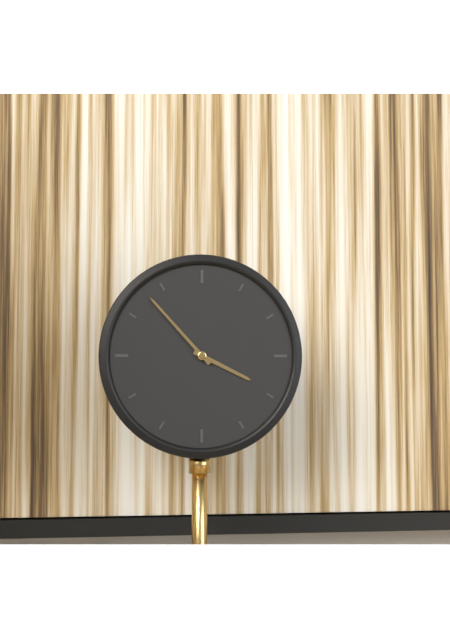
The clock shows 3.53
